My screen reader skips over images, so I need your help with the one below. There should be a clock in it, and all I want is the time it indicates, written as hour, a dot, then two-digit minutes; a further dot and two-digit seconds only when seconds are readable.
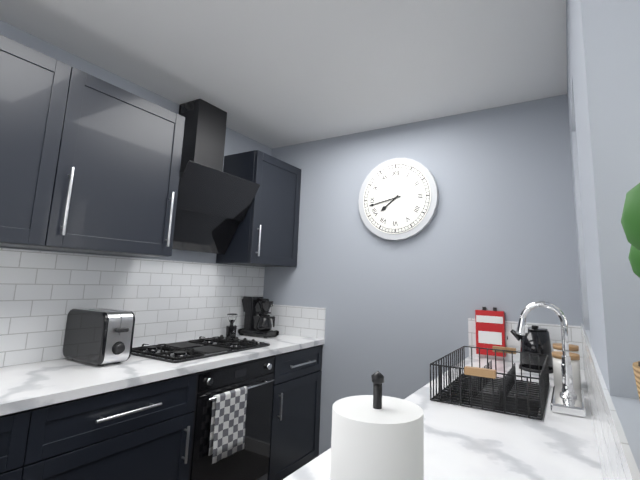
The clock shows 7.43
